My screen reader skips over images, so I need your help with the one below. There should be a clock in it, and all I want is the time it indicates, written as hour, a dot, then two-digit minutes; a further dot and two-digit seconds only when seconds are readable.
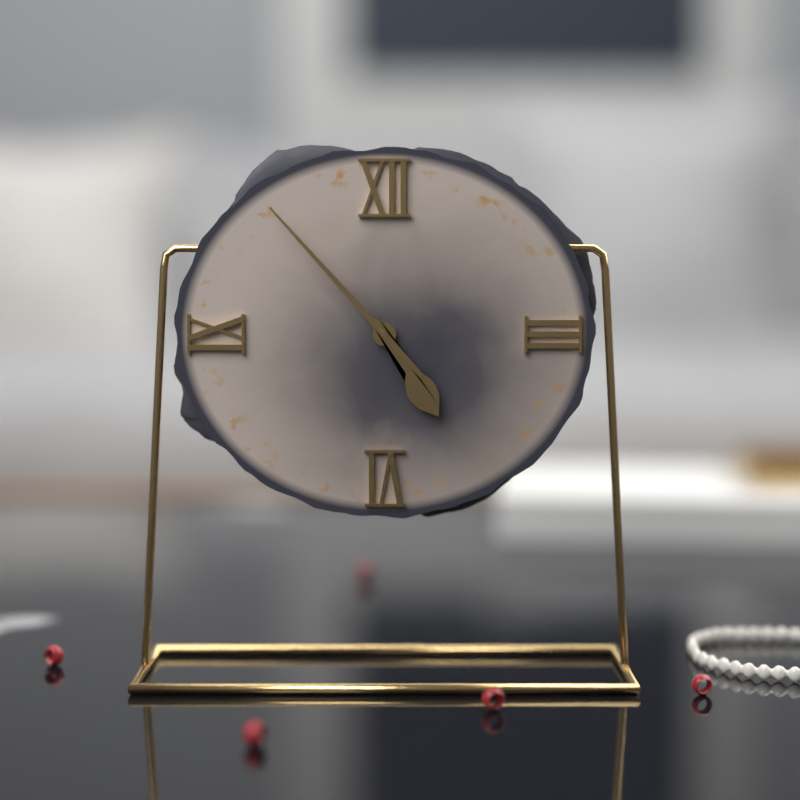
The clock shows 4.53
